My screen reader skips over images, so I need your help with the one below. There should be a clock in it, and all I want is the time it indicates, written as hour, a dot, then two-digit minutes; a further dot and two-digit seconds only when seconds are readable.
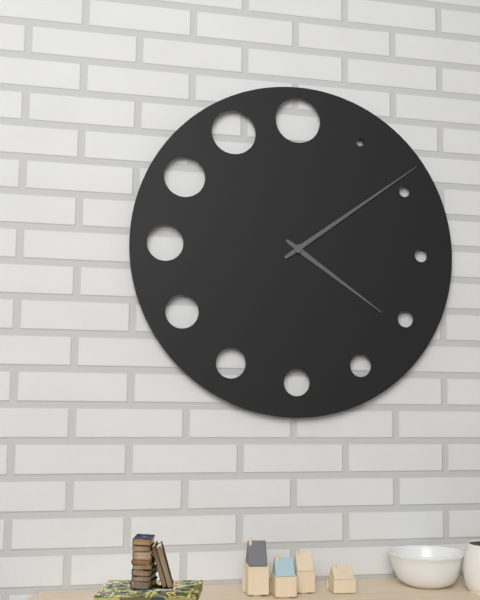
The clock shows 4.09
